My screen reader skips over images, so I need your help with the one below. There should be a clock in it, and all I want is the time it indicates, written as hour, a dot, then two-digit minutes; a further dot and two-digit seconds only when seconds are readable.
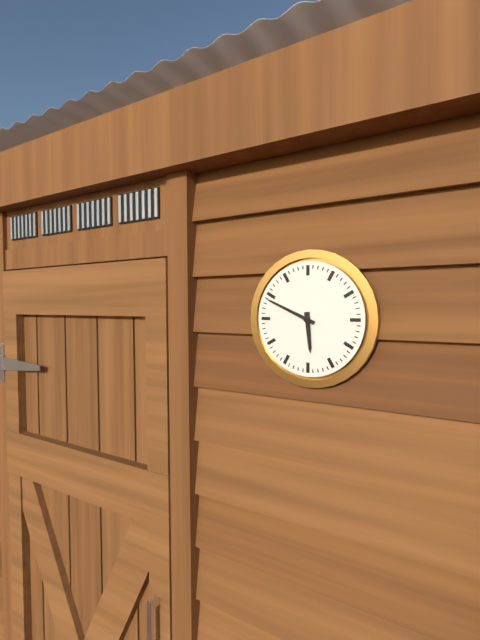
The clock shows 5.49
